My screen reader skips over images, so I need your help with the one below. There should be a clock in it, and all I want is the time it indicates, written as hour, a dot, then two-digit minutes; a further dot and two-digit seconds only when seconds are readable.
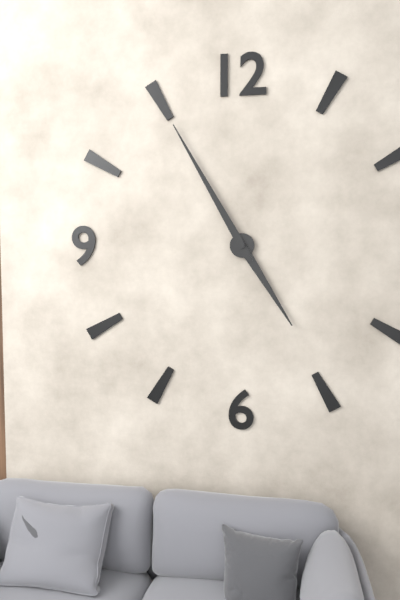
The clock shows 4.55
